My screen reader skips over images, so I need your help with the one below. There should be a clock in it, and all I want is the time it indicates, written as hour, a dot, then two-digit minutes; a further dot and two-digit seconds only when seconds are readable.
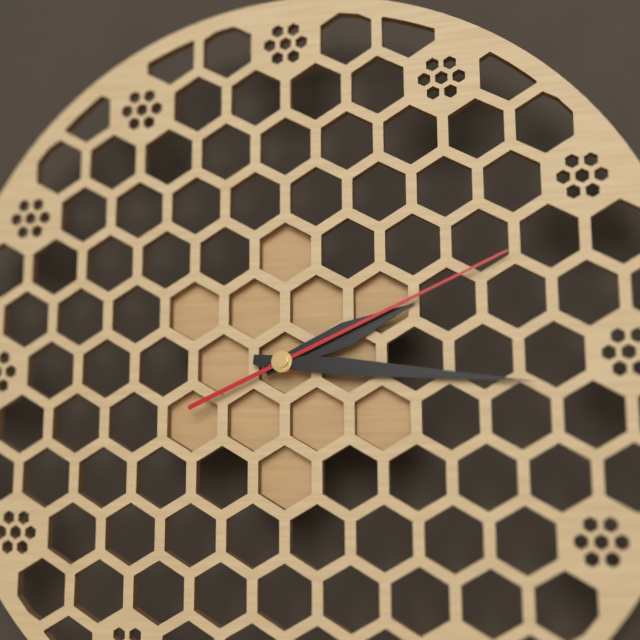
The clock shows 2.16.11
